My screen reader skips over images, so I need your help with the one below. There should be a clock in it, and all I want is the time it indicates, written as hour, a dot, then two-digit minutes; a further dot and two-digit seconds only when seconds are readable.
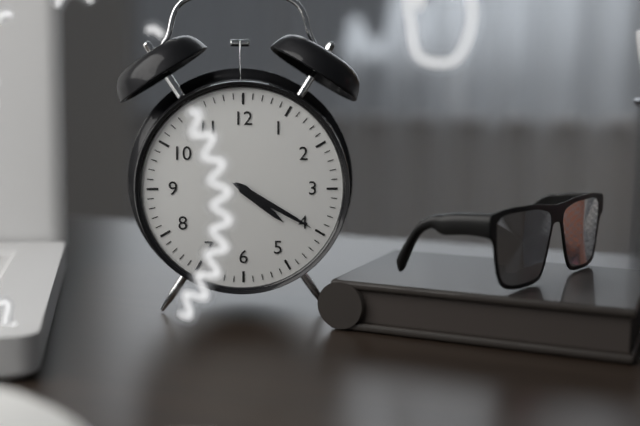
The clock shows 4.20
